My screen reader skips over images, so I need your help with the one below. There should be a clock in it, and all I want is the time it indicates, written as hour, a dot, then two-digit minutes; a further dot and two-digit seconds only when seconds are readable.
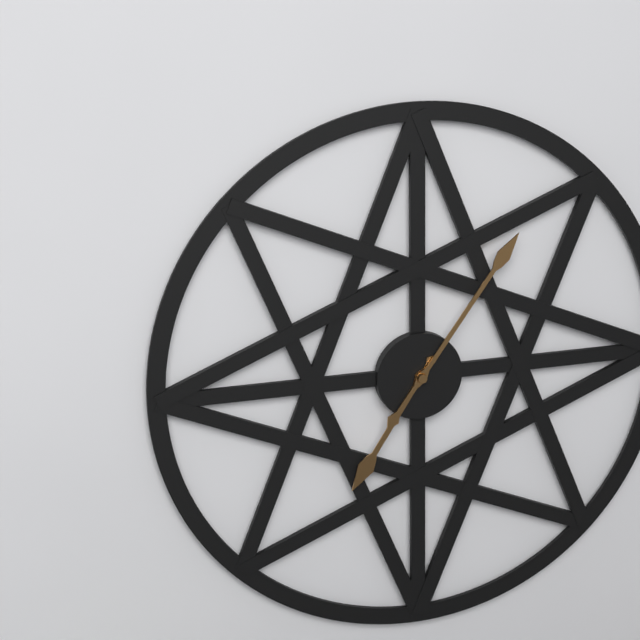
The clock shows 7.06
